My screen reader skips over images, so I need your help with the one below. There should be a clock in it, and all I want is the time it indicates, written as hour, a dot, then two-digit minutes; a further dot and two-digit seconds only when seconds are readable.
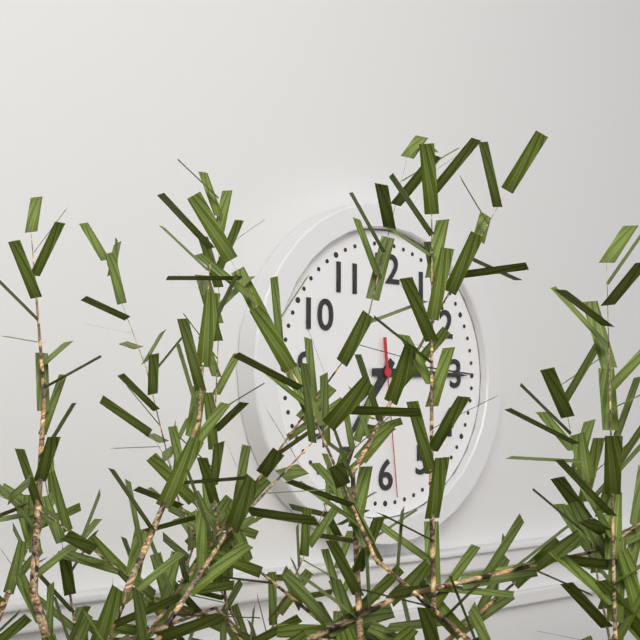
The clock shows 7.15.29
